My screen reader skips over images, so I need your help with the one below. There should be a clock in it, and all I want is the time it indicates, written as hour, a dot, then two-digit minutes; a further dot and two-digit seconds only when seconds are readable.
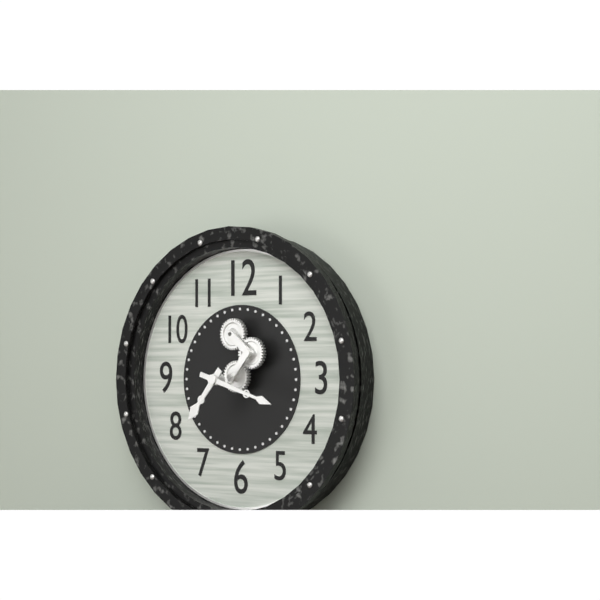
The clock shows 7.18
